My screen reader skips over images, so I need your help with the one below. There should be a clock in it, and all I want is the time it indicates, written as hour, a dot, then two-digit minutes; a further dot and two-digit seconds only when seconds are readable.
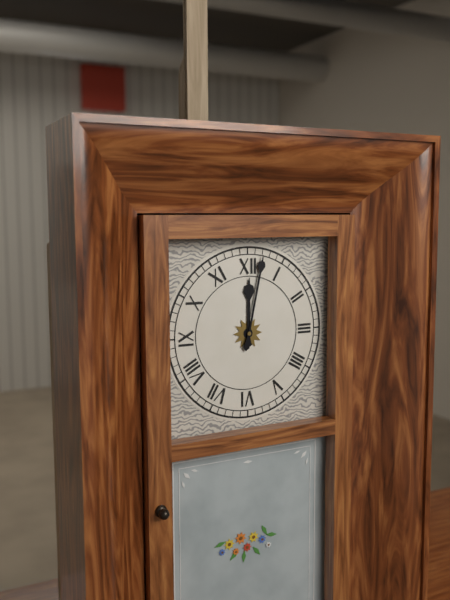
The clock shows 12.02
